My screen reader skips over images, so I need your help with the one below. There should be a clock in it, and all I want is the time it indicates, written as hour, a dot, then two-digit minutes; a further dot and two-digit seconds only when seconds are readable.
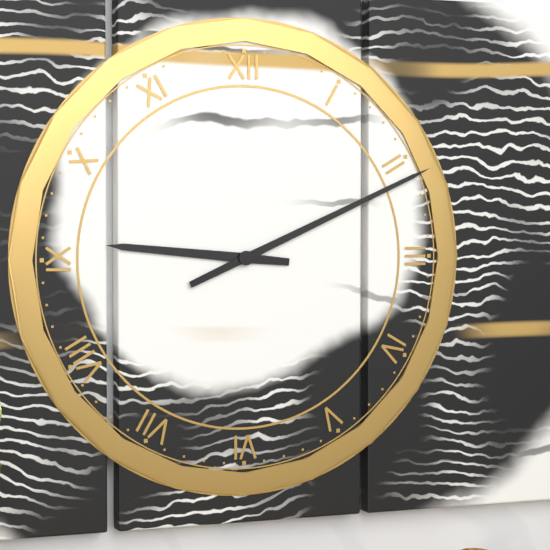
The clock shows 9.11
